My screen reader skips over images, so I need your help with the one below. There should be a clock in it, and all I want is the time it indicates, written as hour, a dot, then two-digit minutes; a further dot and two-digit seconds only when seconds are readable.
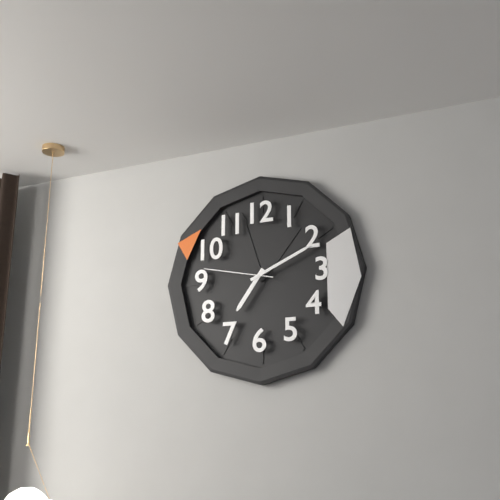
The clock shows 7.11.47
